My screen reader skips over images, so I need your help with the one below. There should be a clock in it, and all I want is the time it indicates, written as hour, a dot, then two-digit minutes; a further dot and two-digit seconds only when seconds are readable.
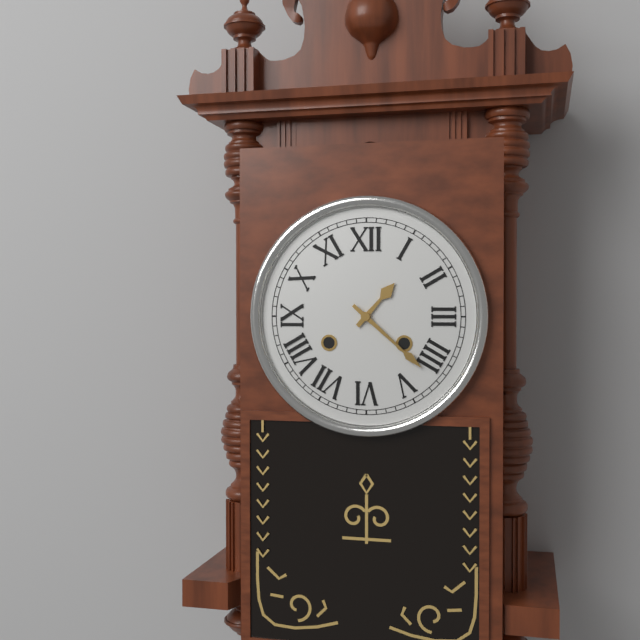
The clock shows 1.22
